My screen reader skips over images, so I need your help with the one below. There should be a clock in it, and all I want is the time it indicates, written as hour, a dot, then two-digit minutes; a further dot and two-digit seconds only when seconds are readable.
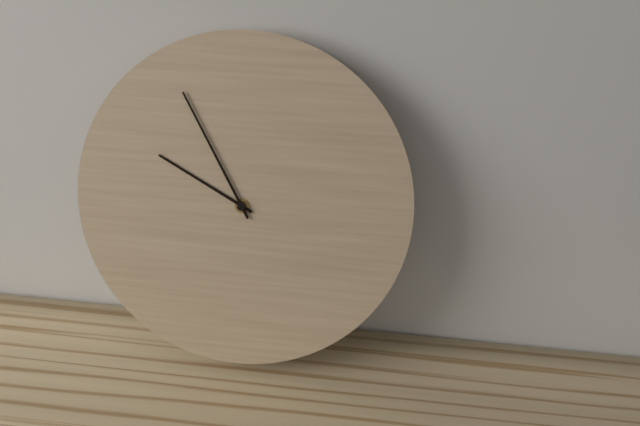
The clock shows 9.55
